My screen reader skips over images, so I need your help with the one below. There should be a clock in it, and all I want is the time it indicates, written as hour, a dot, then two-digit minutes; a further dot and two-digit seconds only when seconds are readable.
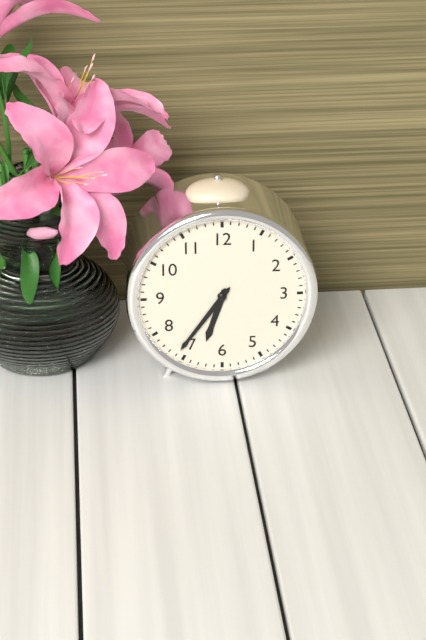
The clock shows 6.36
